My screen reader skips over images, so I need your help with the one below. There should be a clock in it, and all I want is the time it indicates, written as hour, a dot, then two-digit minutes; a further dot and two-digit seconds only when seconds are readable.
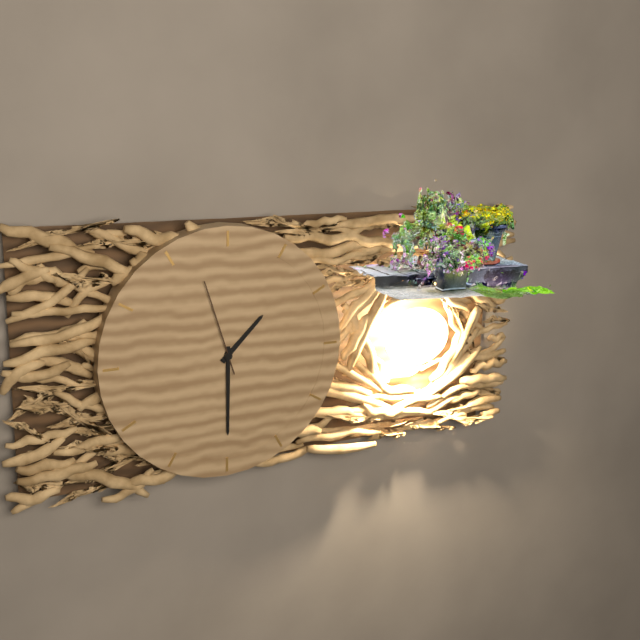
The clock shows 1.30.57
